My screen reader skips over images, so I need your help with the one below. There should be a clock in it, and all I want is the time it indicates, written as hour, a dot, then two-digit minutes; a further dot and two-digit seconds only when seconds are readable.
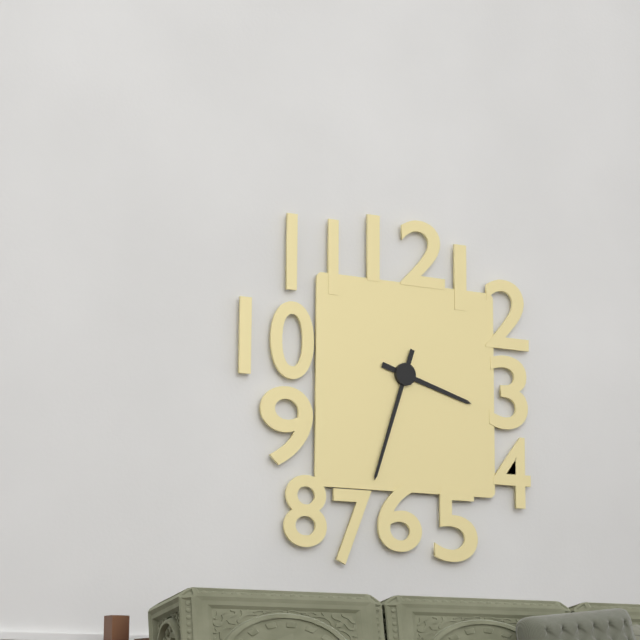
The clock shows 3.33
